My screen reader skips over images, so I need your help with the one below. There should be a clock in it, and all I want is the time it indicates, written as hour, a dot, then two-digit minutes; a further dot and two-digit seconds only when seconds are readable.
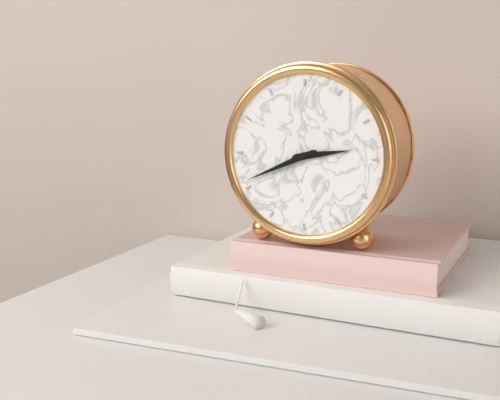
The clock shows 2.41
